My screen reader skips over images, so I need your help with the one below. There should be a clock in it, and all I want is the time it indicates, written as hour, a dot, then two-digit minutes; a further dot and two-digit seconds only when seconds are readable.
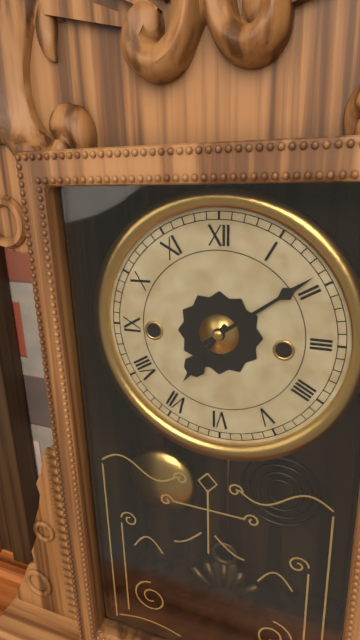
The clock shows 7.09
